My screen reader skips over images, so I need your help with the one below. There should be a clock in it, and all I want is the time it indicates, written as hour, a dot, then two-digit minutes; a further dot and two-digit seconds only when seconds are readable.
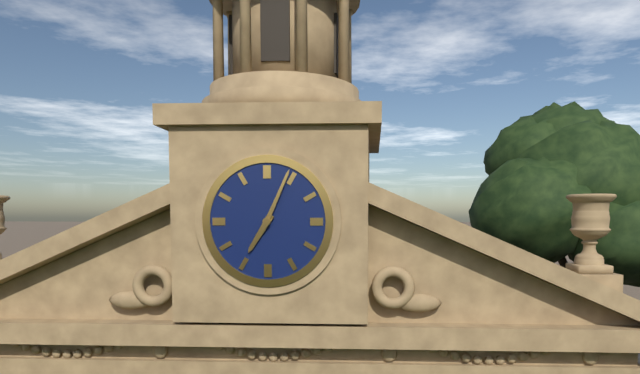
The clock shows 7.04
